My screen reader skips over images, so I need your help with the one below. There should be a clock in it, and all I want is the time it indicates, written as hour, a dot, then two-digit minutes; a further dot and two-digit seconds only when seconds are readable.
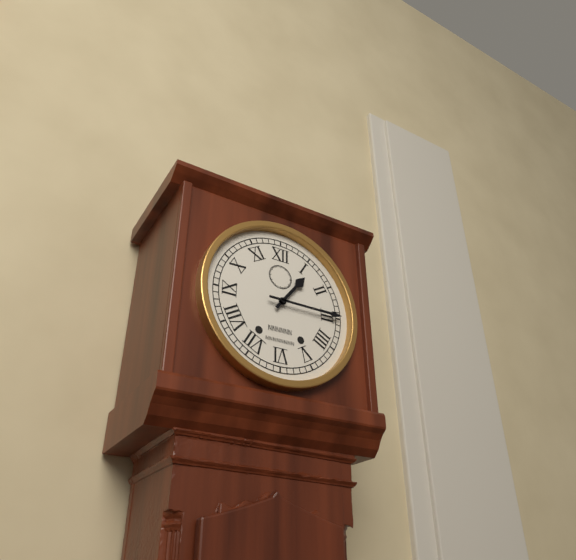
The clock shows 1.15
